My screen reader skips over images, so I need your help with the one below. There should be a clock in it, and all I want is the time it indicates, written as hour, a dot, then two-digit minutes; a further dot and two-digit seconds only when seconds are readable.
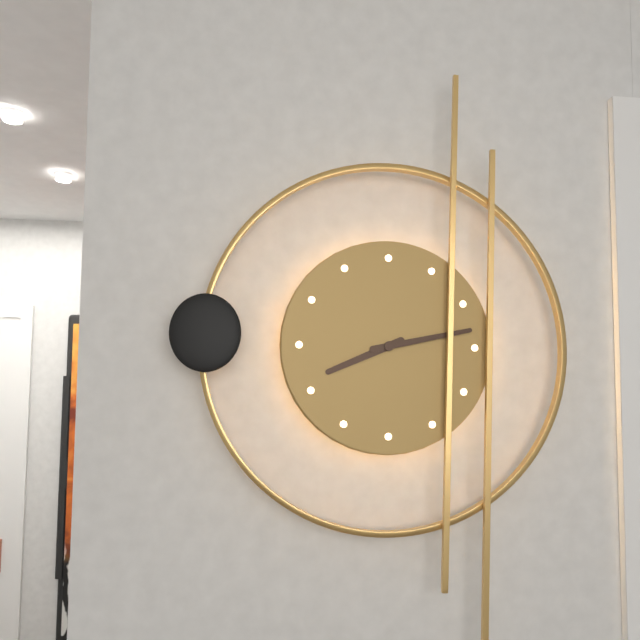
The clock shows 8.13
